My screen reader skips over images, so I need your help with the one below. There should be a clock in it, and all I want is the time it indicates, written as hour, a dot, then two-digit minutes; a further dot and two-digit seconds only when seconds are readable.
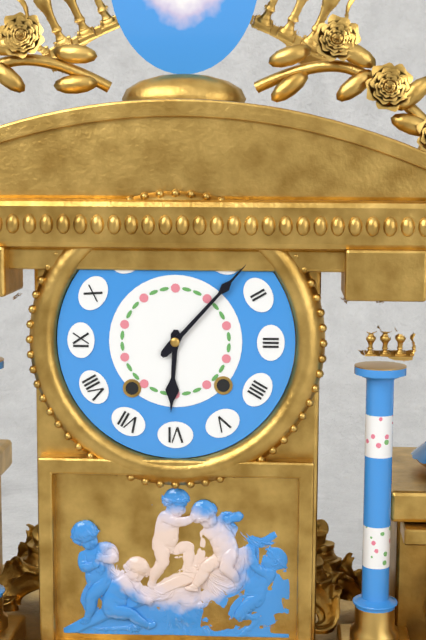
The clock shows 6.07
